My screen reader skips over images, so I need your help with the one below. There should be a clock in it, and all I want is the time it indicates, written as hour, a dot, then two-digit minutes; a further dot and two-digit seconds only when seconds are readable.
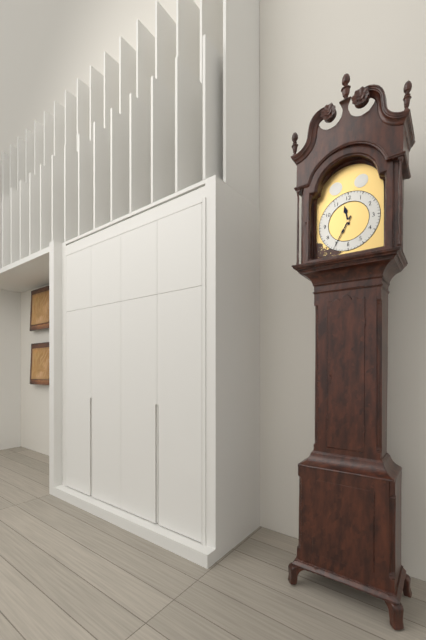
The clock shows 11.35
